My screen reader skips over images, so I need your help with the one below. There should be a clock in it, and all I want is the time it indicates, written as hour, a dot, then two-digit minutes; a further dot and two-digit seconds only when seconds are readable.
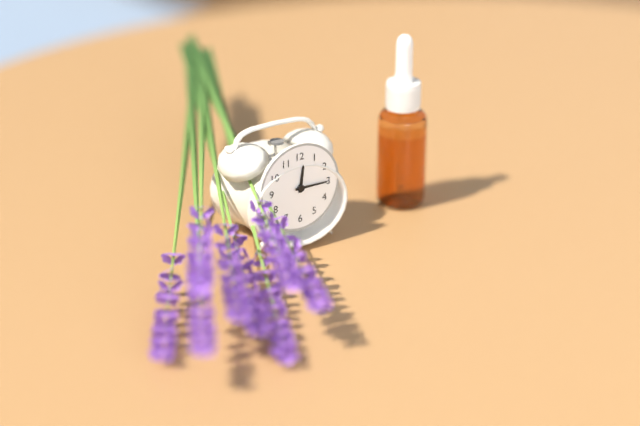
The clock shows 12.15
